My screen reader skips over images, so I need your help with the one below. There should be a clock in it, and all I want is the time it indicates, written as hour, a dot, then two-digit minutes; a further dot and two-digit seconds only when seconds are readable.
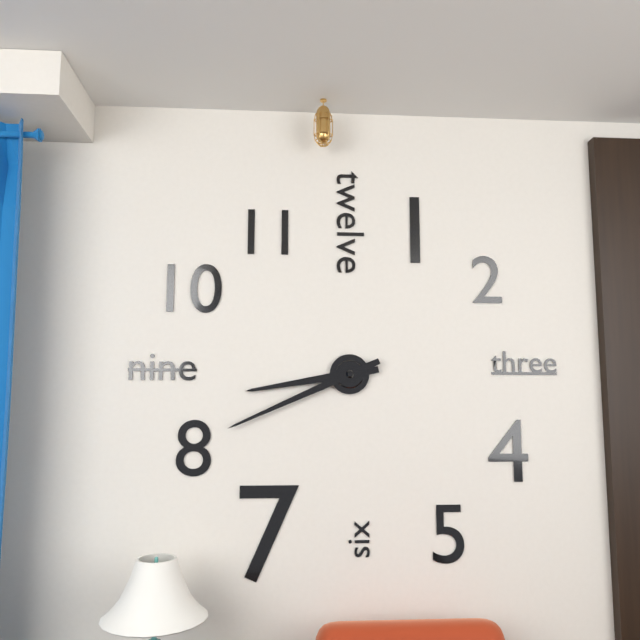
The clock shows 8.41
